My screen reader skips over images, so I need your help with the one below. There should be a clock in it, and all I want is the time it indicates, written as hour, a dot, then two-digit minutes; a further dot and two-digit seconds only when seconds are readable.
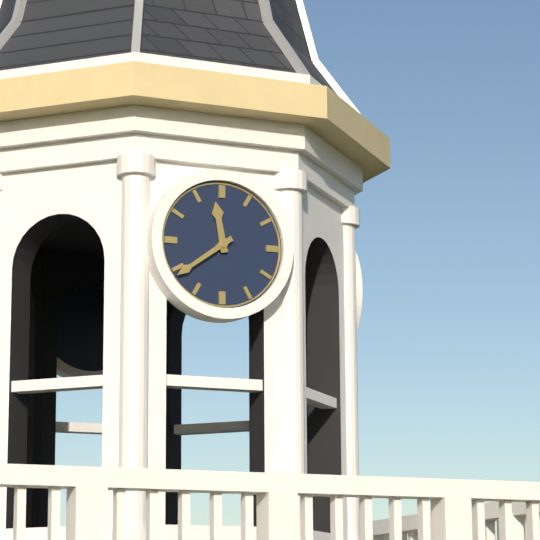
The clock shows 11.39
